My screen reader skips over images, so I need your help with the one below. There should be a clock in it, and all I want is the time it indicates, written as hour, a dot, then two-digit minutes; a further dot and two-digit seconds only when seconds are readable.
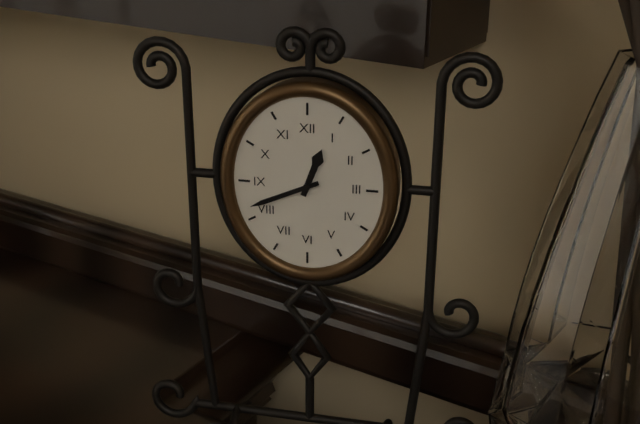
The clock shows 12.41
